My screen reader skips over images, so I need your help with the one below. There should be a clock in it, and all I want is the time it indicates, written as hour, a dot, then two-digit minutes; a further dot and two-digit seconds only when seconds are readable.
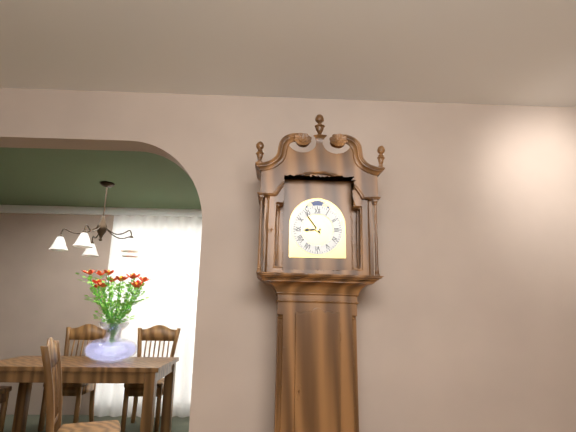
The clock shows 8.54
